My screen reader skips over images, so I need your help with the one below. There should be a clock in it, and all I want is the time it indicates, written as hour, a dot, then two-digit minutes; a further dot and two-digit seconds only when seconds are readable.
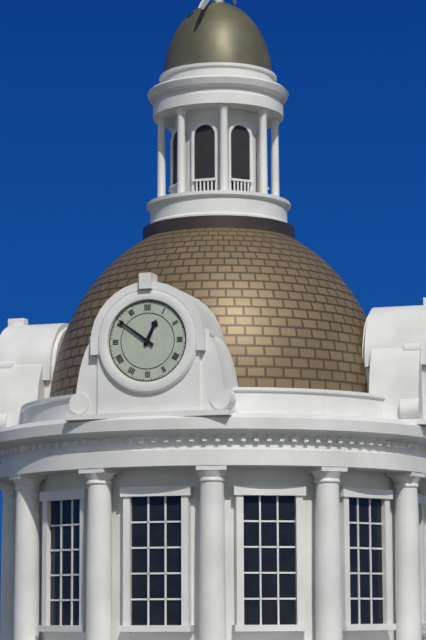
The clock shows 12.51
